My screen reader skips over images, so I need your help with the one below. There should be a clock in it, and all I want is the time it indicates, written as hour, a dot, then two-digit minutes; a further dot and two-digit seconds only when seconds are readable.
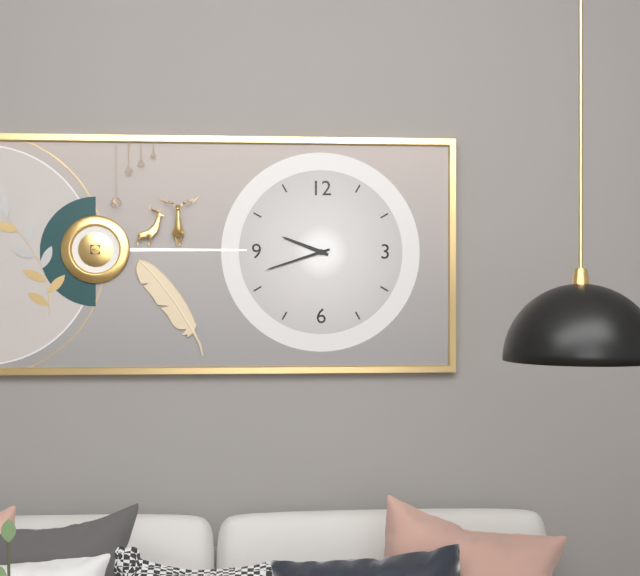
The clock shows 9.42
